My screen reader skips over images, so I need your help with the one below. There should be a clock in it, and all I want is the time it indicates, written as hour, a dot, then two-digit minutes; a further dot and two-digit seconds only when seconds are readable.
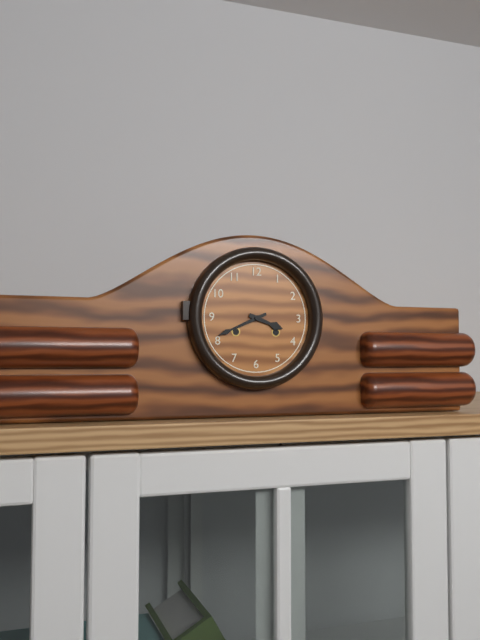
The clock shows 3.41
